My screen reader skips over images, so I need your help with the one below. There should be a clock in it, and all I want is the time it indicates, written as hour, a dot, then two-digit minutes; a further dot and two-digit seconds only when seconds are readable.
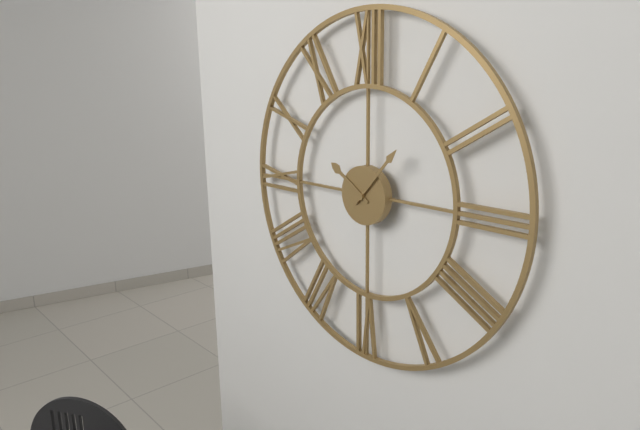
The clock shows 10.07
